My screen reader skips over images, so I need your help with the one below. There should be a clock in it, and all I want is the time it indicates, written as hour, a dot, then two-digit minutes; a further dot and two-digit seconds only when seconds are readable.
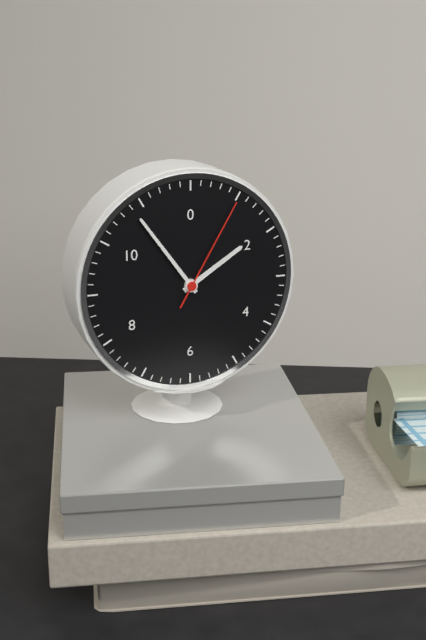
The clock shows 1.54.05
